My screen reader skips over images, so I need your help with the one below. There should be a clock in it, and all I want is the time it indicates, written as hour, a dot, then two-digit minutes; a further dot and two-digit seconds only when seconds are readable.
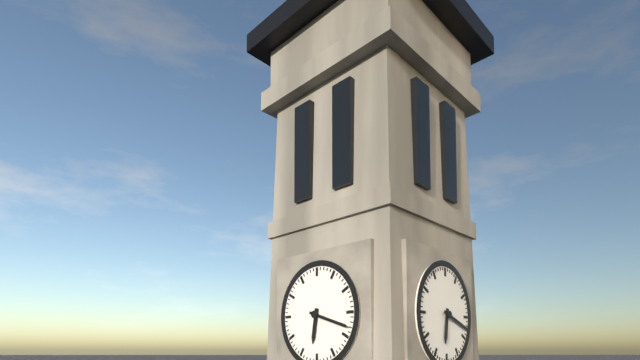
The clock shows 6.18
